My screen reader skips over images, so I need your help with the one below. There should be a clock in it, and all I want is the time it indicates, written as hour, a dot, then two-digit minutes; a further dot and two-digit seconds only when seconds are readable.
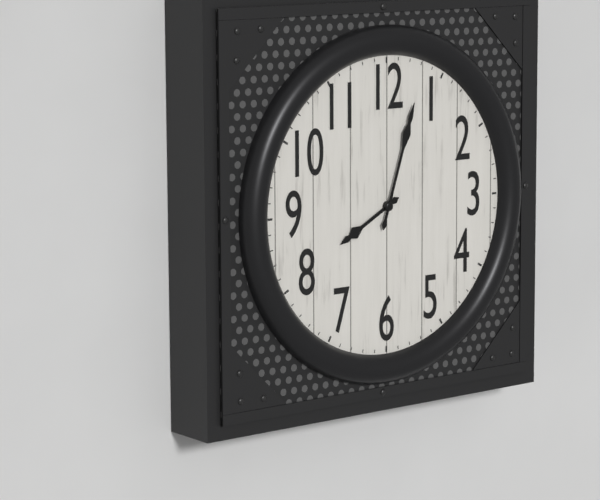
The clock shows 8.03
